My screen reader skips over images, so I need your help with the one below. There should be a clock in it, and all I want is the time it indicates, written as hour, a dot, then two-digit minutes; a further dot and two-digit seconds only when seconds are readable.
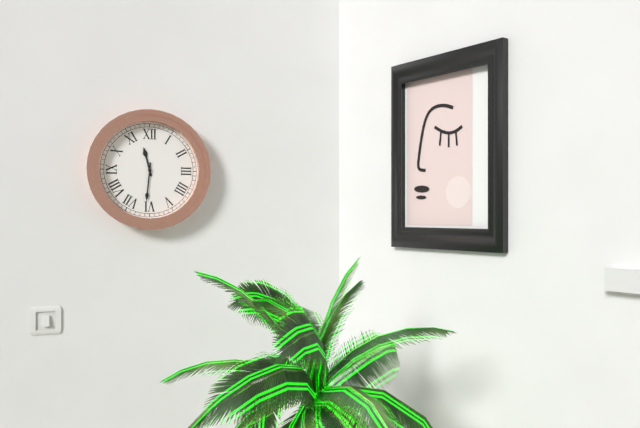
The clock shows 11.31
